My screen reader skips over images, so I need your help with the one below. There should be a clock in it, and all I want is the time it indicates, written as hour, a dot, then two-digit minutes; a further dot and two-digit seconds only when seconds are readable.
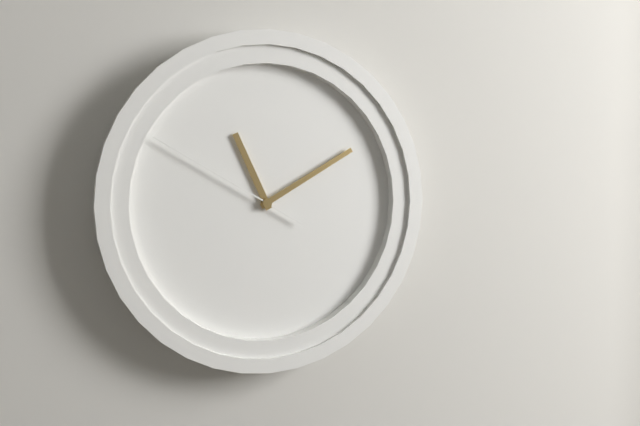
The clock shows 11.10.50
